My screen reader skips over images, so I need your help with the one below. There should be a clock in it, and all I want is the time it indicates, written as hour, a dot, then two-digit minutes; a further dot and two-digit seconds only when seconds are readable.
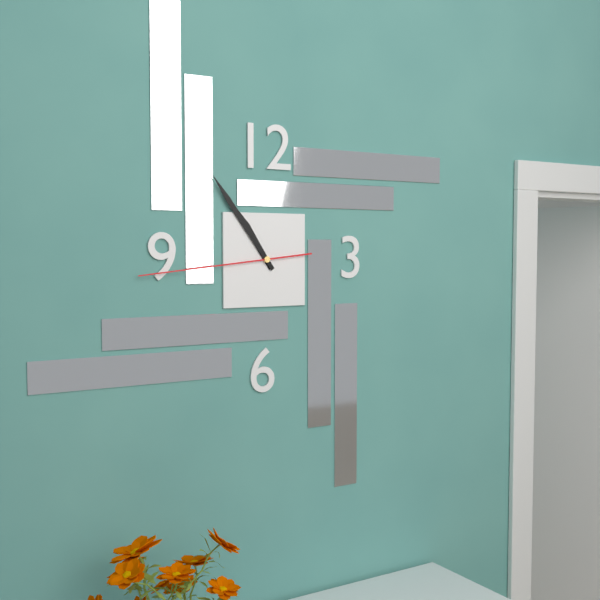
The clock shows 10.54.44
